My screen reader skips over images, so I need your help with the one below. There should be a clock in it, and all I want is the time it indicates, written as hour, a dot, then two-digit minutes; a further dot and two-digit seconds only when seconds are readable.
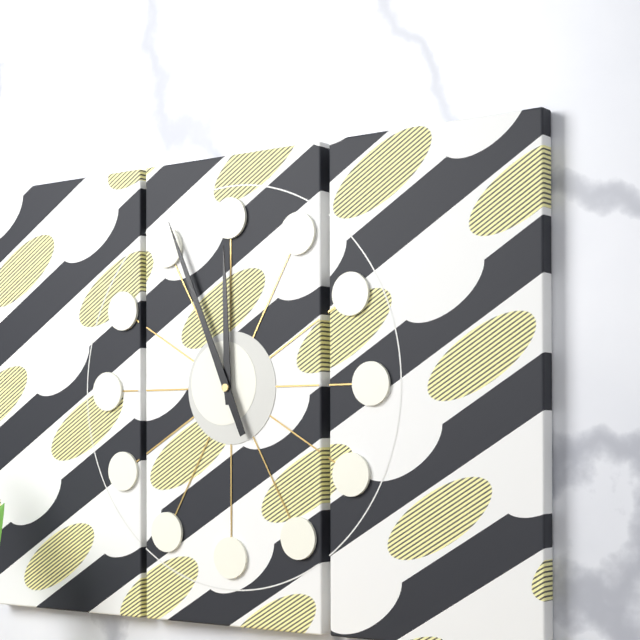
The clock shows 11.56
